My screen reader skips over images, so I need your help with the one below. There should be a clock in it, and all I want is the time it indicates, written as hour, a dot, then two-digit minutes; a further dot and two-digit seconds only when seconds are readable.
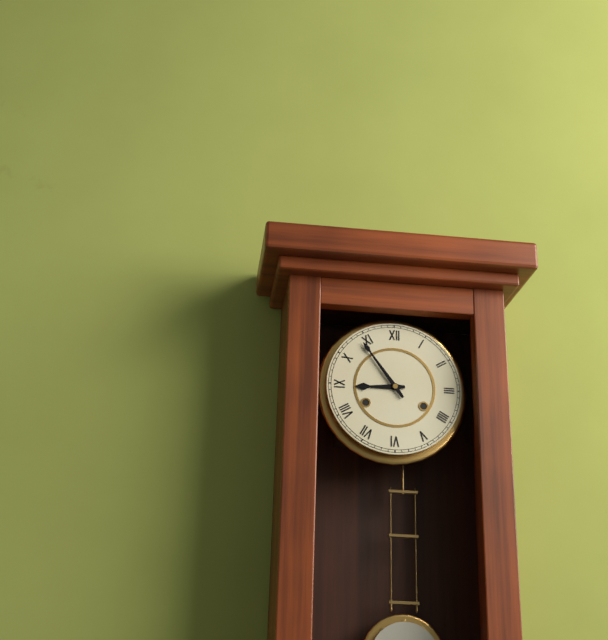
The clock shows 8.54
